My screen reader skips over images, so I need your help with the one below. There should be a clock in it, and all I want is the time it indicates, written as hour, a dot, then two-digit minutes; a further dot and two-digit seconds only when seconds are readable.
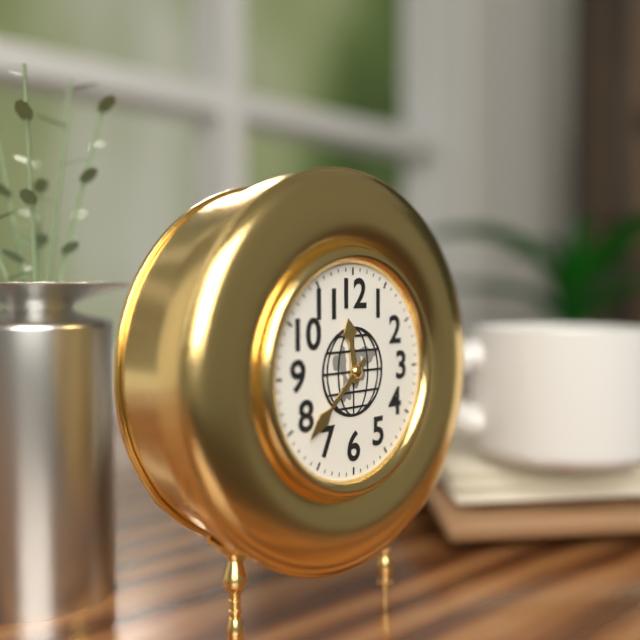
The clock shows 11.38
